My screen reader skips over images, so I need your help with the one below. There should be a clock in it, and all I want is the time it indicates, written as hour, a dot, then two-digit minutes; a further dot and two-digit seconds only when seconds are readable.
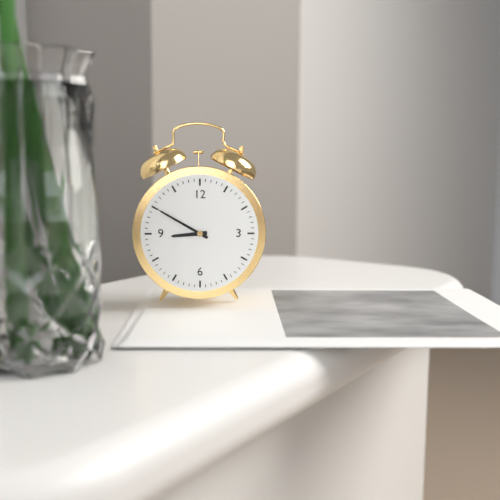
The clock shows 8.50
